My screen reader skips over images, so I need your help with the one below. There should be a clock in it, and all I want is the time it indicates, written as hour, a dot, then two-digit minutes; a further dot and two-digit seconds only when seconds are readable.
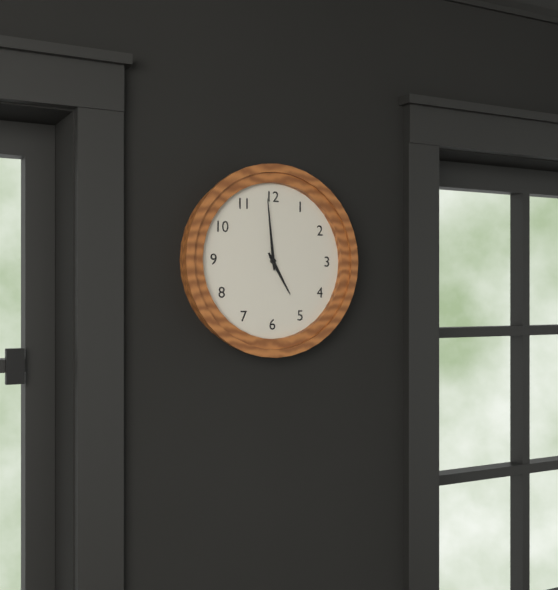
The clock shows 4.59
